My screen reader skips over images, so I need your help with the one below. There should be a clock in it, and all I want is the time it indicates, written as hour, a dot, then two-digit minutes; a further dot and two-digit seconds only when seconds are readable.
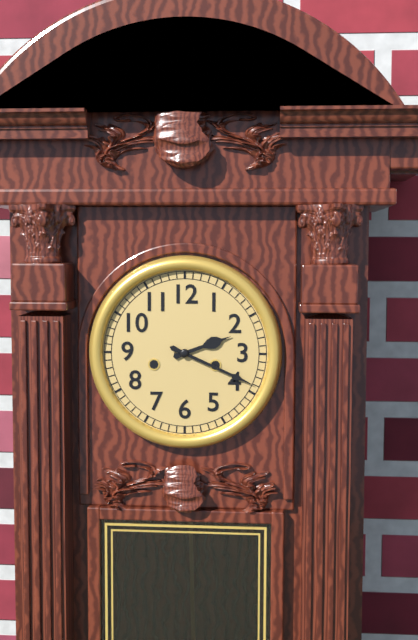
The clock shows 2.19
